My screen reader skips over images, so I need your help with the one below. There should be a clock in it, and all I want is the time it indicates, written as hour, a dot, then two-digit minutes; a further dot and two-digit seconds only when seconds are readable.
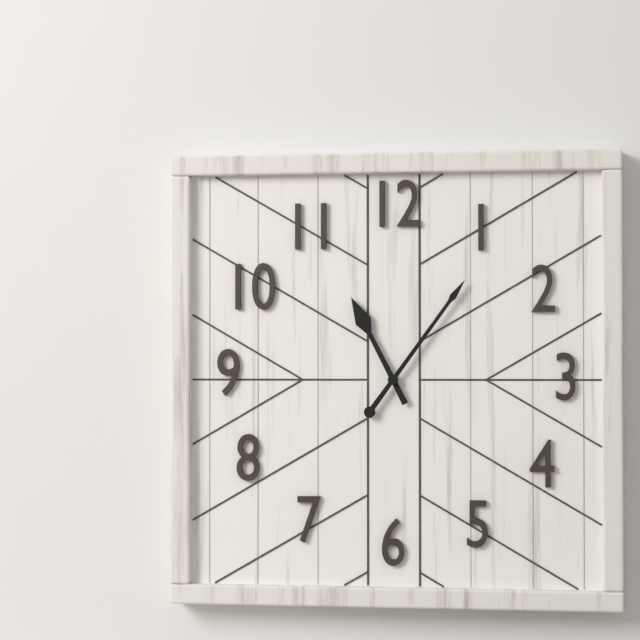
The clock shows 11.06
